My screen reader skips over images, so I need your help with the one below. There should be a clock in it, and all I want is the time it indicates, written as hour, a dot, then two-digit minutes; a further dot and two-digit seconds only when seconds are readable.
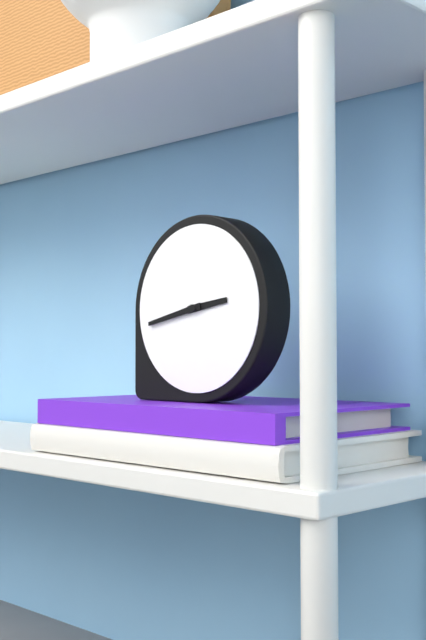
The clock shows 2.43
